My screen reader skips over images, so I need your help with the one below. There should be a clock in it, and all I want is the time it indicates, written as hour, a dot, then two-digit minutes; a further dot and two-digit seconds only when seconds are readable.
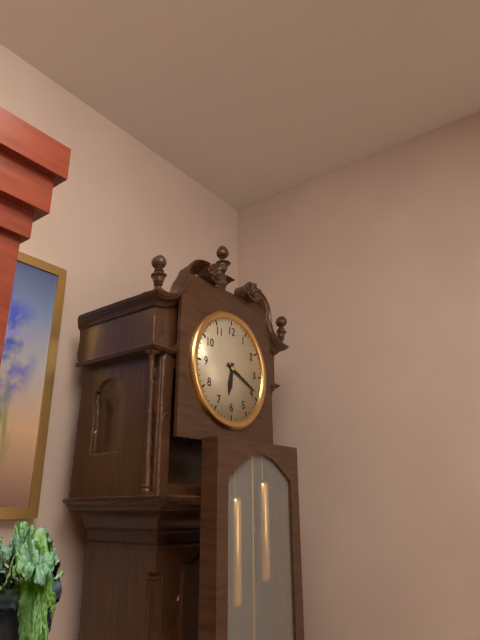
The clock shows 6.19
